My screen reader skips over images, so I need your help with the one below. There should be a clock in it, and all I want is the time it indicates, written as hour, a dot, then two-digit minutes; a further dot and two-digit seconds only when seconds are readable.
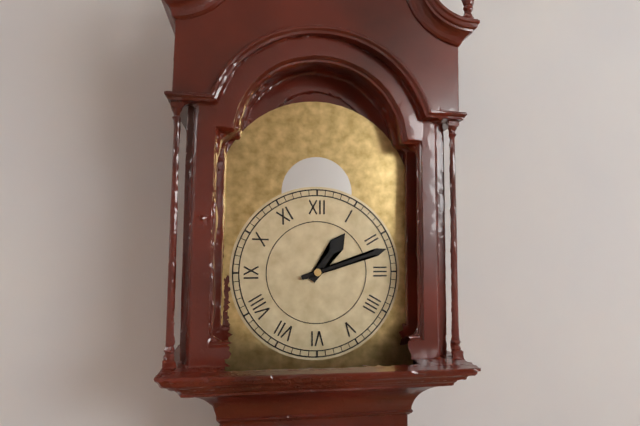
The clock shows 1.12
